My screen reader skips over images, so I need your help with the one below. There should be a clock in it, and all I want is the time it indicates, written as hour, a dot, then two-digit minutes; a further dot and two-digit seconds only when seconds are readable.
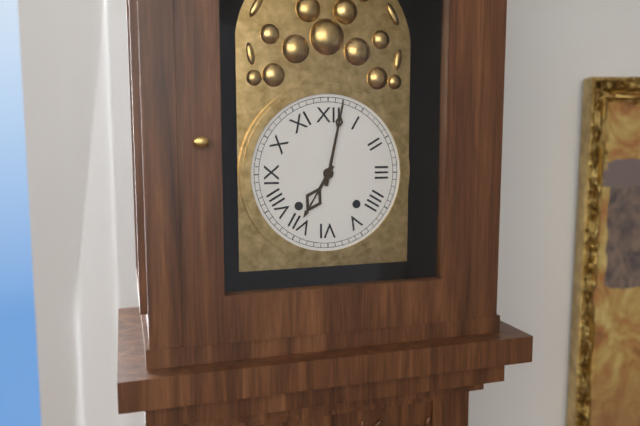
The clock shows 7.02
